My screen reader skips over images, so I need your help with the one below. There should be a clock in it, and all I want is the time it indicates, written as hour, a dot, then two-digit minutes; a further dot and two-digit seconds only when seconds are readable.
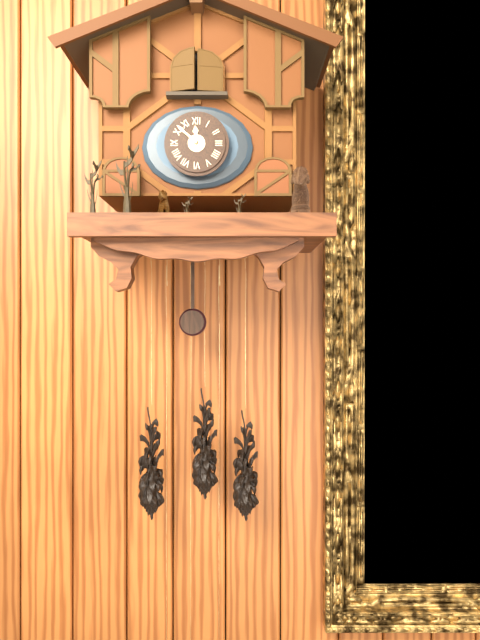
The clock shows 11.52
